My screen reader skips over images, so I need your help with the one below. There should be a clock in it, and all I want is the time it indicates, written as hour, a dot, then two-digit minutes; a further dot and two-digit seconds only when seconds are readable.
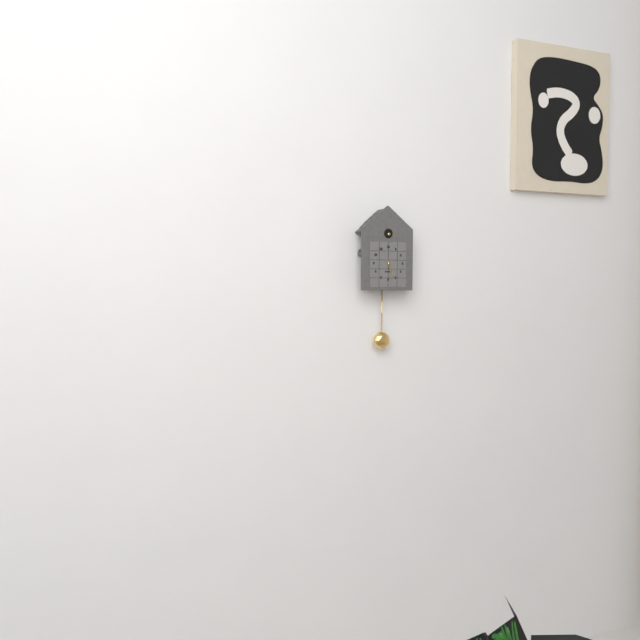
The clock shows 5.28
